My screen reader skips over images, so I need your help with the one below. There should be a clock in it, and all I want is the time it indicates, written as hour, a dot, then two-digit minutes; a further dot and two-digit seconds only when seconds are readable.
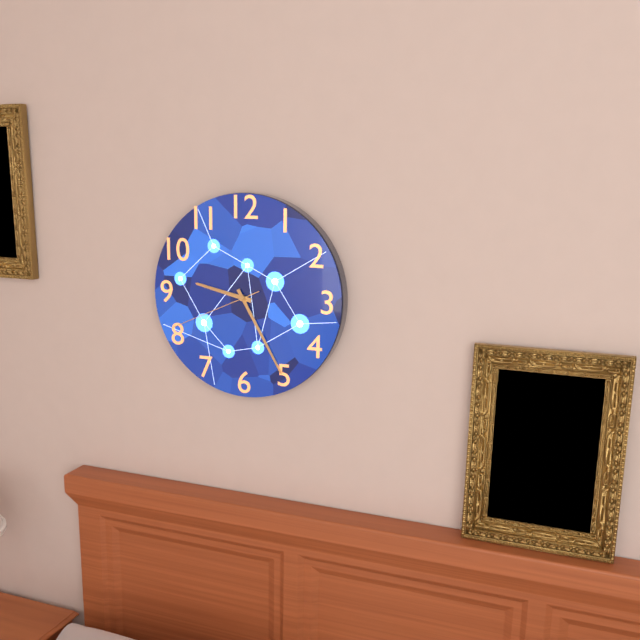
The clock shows 9.25.41
